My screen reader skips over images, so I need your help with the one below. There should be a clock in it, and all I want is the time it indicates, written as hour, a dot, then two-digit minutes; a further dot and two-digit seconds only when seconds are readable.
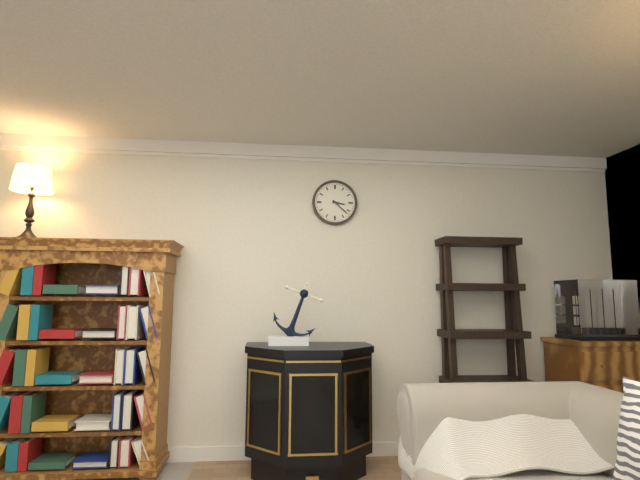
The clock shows 3.22
